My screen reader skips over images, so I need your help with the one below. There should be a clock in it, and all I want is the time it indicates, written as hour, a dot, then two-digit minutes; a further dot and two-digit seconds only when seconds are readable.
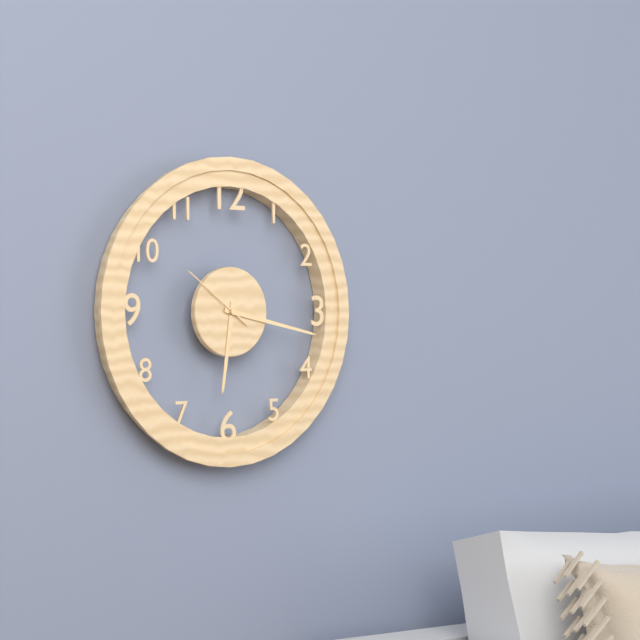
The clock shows 6.17.51
